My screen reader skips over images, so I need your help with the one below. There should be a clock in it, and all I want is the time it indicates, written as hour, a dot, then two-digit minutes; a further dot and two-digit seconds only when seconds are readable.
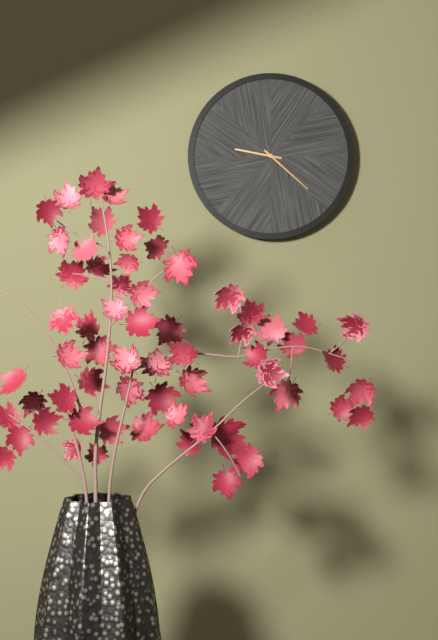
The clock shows 9.22
